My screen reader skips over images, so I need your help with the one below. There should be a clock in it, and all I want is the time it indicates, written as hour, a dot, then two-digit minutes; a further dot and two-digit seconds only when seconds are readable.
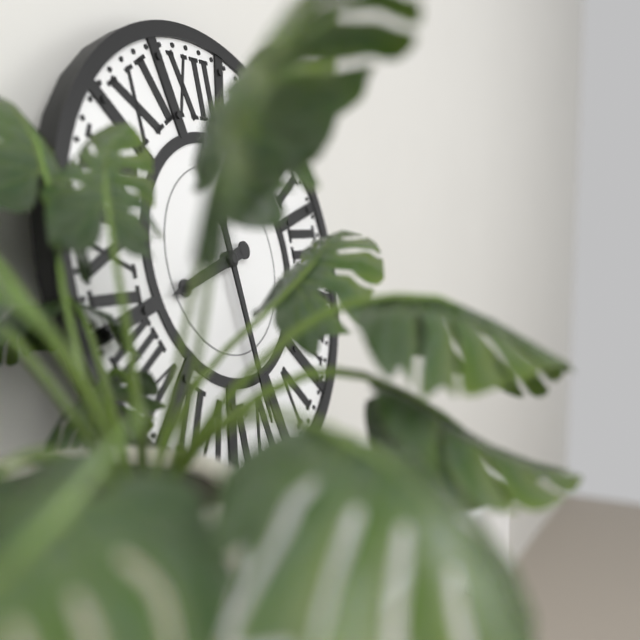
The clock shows 8.29
